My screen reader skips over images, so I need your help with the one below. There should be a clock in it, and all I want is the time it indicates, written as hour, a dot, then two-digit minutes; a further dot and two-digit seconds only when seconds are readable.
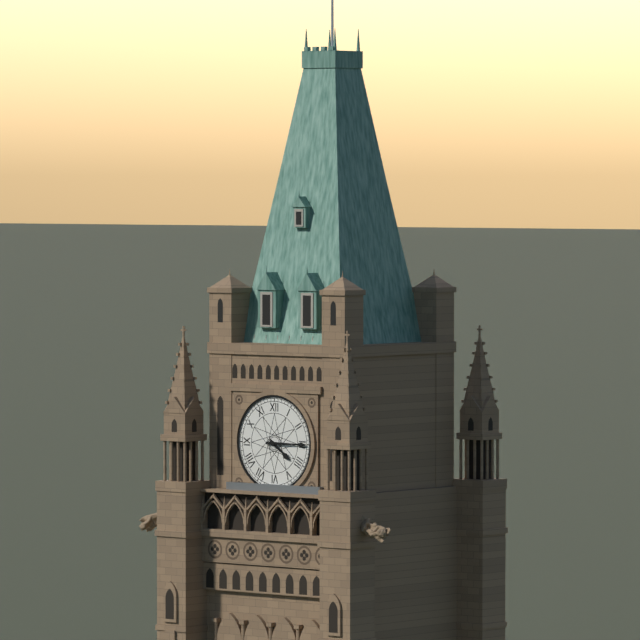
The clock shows 4.15
